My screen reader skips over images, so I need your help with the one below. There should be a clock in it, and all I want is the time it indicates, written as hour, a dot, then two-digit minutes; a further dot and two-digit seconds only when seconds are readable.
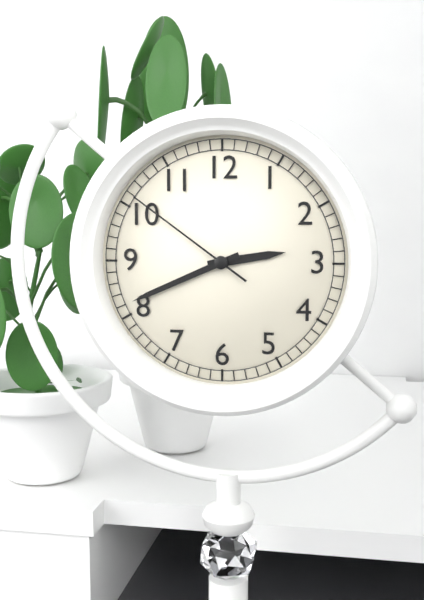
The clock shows 2.41.51
